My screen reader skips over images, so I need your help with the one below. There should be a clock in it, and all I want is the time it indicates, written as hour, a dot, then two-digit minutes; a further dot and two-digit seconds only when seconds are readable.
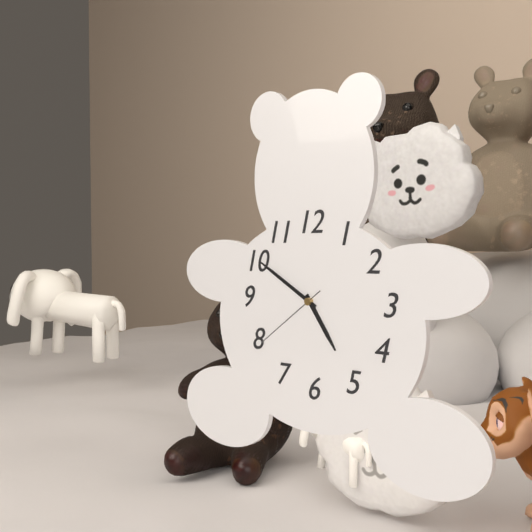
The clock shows 4.50.39
